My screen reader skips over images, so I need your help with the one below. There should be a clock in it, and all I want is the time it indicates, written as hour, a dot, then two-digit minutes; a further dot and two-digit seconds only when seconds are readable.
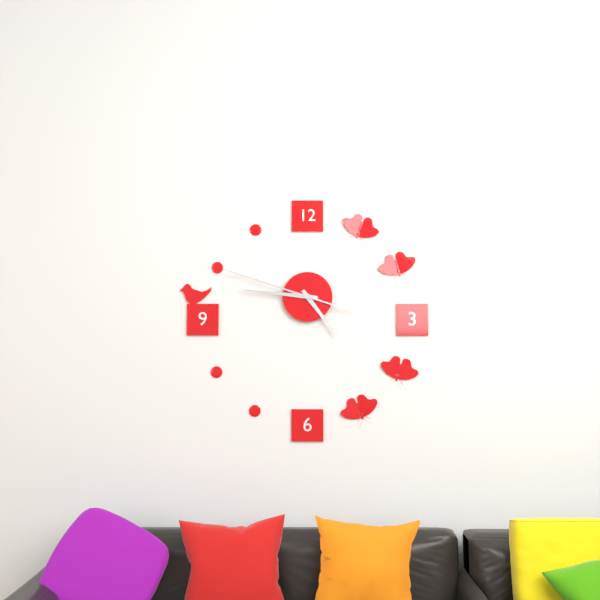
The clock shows 4.46.48
